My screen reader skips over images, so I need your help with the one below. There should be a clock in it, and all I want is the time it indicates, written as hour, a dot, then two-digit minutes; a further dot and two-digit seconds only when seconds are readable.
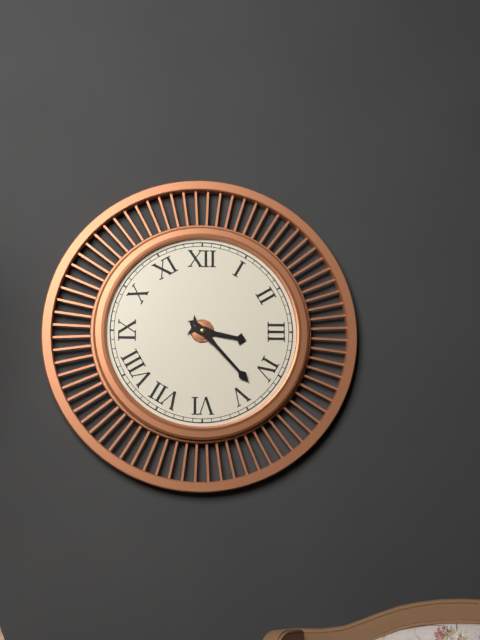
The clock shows 3.23
